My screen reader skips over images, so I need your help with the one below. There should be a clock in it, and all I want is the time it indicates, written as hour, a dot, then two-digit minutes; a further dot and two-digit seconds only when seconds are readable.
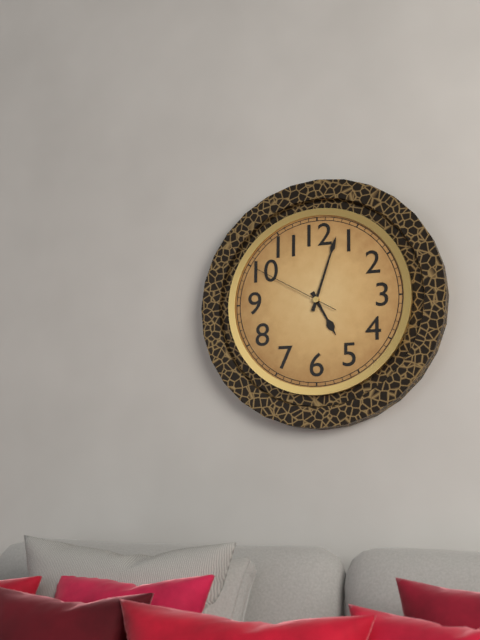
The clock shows 5.03.50
